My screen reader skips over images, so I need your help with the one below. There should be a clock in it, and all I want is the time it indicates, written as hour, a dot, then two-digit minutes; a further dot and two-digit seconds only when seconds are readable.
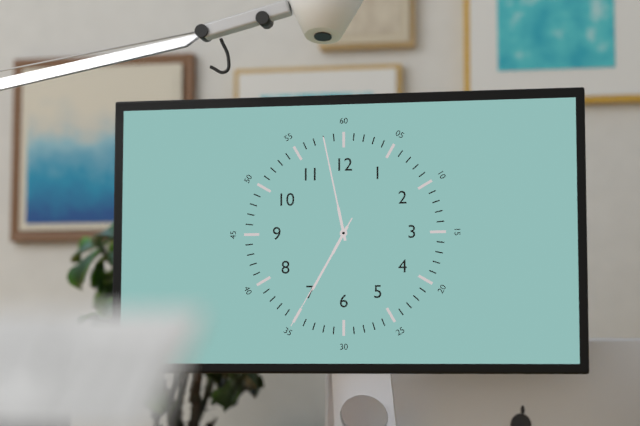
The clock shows 6.58.35
